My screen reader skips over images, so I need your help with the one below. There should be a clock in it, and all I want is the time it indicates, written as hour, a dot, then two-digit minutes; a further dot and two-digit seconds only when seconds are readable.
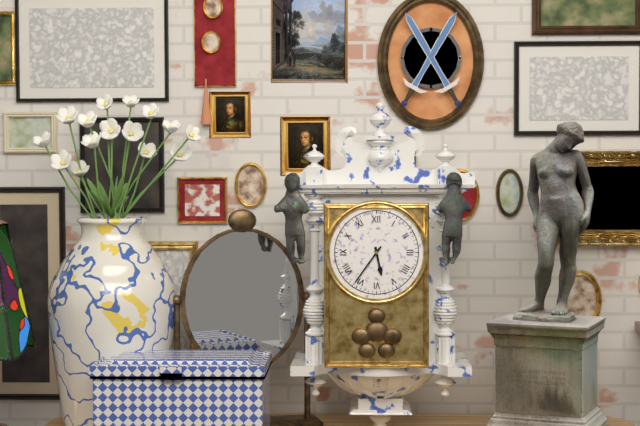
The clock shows 5.36
